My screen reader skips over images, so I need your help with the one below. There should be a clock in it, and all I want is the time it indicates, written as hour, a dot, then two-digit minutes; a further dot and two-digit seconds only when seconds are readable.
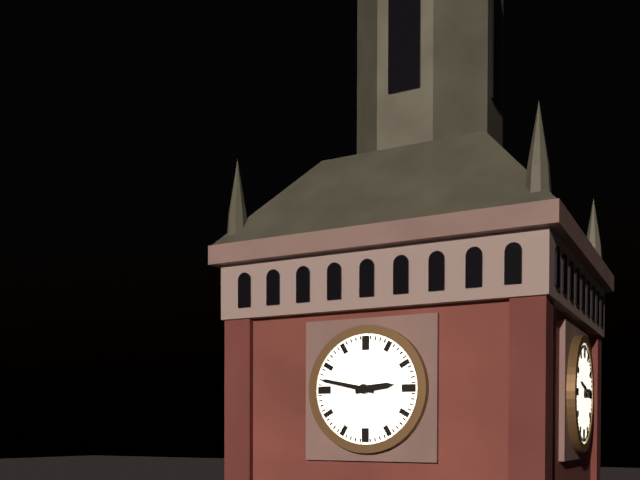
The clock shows 2.47
